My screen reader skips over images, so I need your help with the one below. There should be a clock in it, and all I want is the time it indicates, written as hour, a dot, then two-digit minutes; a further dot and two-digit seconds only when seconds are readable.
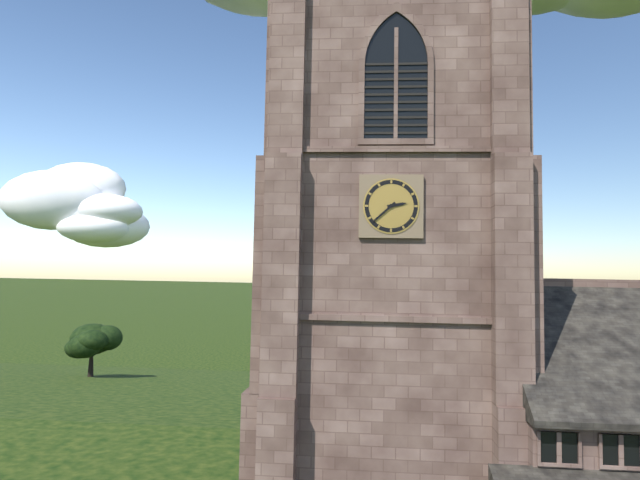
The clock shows 2.38
